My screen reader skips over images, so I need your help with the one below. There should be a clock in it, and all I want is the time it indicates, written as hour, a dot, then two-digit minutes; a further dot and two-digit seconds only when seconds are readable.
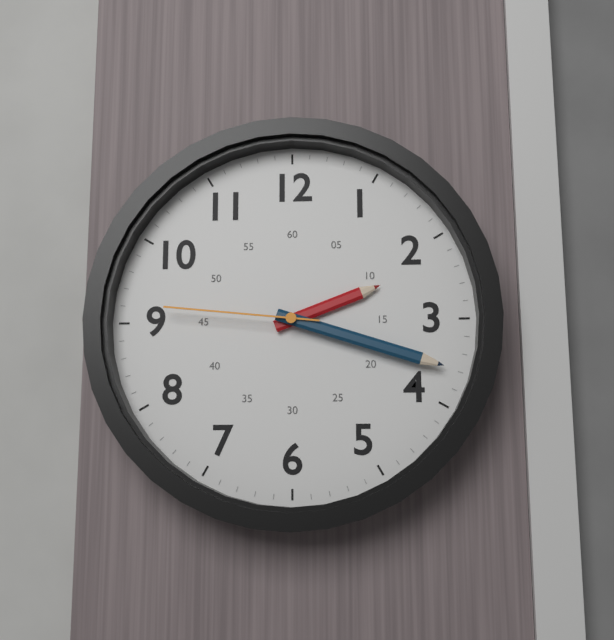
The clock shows 2.18.46
